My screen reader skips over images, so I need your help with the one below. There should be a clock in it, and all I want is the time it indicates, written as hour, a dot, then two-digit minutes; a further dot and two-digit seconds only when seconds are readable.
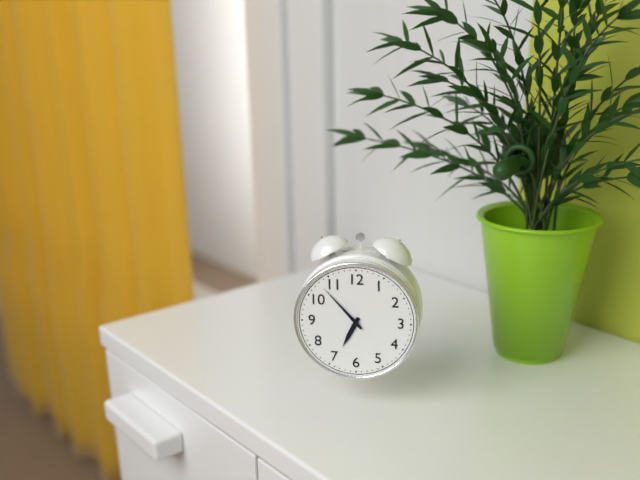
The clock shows 6.53
